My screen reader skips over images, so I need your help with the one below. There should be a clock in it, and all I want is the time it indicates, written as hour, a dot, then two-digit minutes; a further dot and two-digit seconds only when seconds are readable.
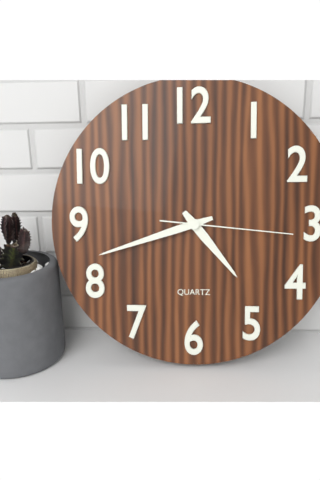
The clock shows 4.42.16
